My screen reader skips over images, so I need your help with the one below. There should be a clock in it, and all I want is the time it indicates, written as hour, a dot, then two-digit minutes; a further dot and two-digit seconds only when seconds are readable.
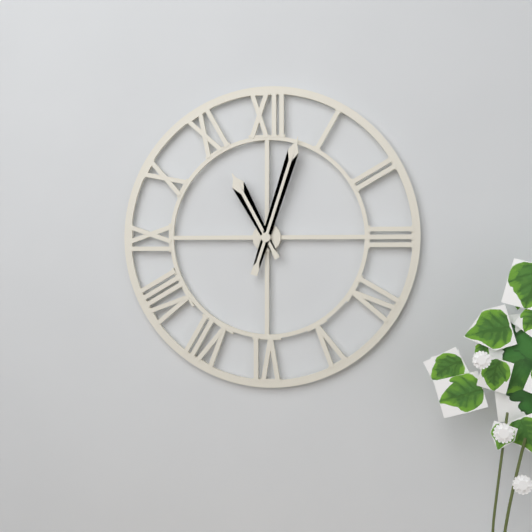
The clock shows 11.03
